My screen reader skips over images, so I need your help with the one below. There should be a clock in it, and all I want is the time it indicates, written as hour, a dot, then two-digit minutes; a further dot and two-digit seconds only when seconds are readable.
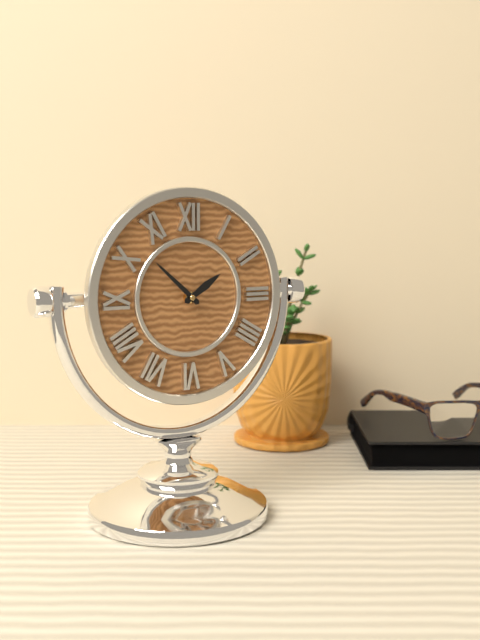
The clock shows 1.52
